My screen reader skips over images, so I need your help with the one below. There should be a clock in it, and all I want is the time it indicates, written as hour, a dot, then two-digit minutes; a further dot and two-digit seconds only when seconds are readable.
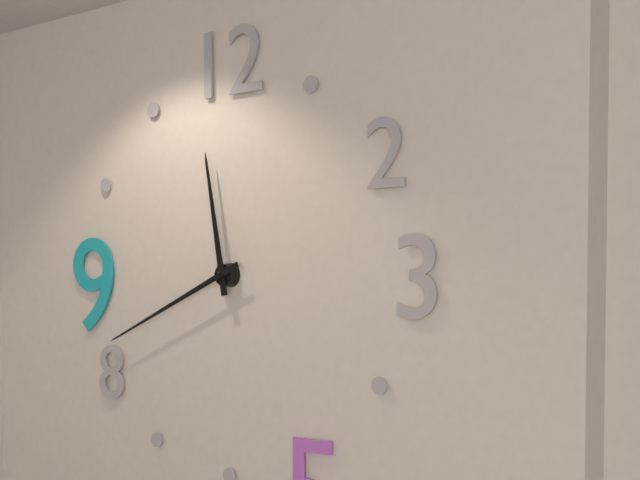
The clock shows 11.41
